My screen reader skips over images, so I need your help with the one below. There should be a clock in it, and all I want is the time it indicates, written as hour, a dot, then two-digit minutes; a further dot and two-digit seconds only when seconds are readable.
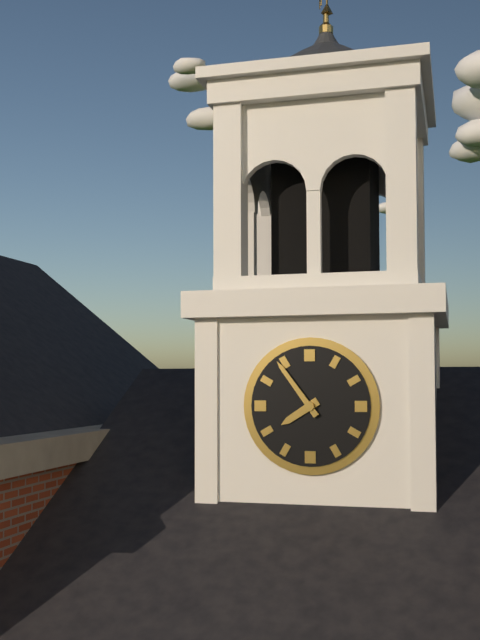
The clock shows 7.54
